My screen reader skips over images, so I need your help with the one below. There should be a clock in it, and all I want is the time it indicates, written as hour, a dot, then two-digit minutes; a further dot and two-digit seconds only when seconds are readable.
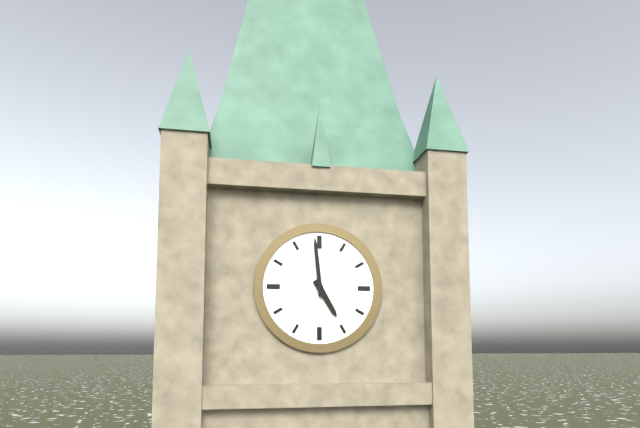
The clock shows 4.59
